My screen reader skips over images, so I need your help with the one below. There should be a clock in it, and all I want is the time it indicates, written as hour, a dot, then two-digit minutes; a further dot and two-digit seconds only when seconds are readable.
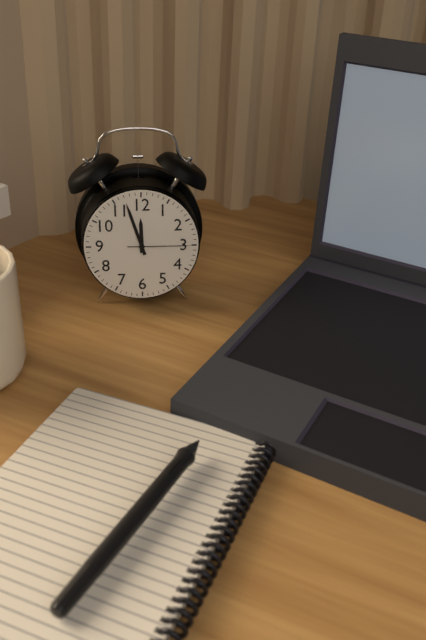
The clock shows 11.57.15
